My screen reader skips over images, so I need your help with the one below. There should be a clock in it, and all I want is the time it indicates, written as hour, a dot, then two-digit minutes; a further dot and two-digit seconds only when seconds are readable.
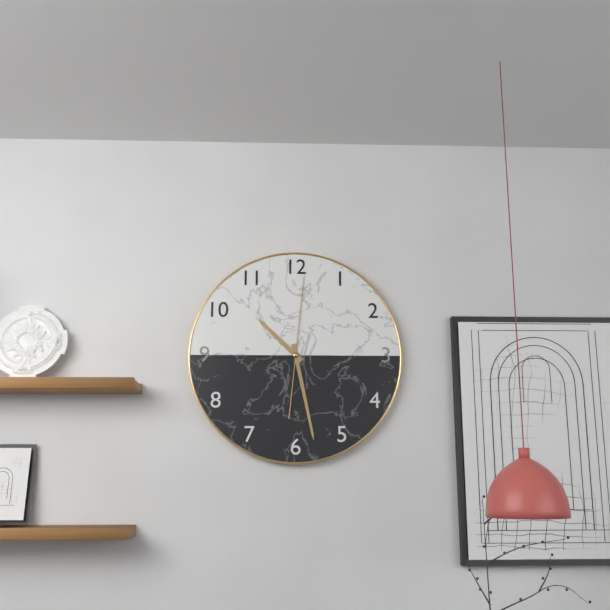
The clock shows 10.28.01
